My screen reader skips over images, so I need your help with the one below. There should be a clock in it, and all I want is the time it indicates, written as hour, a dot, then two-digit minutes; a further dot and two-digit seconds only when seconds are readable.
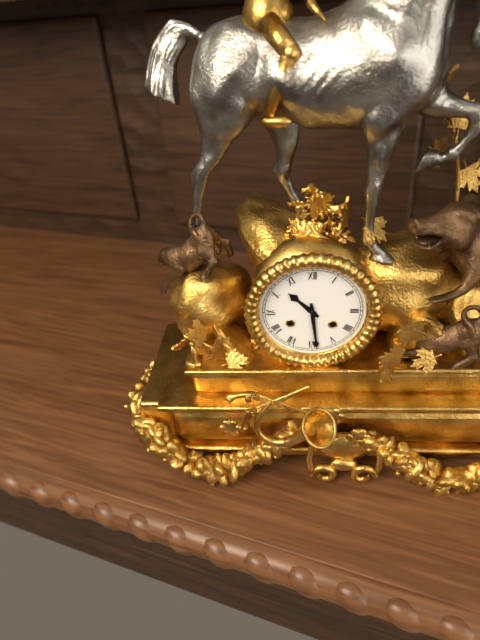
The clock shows 10.29
